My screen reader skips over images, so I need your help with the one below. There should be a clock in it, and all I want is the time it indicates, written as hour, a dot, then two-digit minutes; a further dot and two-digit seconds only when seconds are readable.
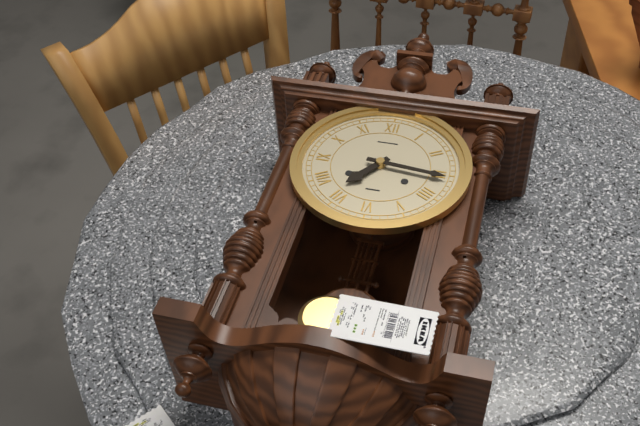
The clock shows 7.16
